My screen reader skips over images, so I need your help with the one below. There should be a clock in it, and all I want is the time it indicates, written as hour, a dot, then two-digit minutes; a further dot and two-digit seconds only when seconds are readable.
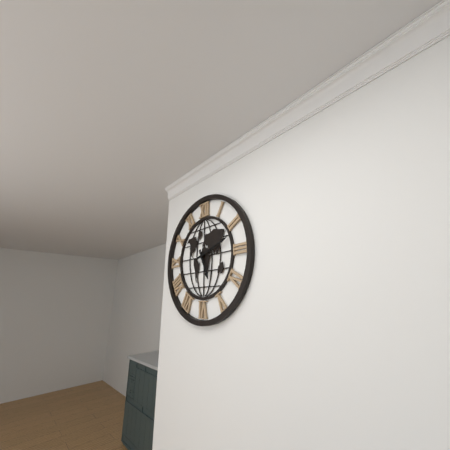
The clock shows 5.12
